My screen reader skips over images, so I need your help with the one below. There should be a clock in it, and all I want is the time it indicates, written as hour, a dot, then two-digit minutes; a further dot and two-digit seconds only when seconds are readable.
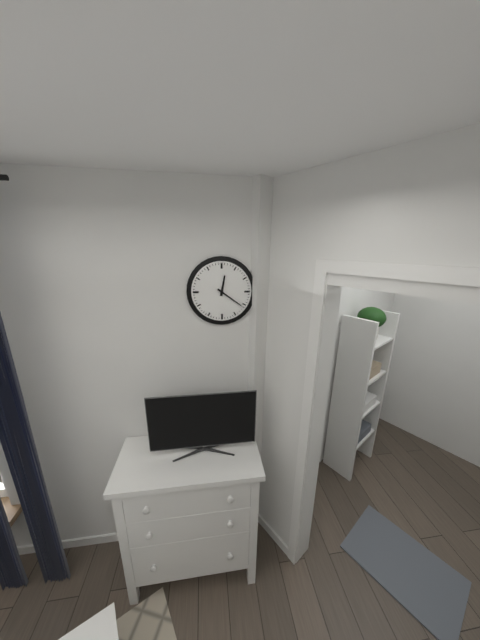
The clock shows 12.21
